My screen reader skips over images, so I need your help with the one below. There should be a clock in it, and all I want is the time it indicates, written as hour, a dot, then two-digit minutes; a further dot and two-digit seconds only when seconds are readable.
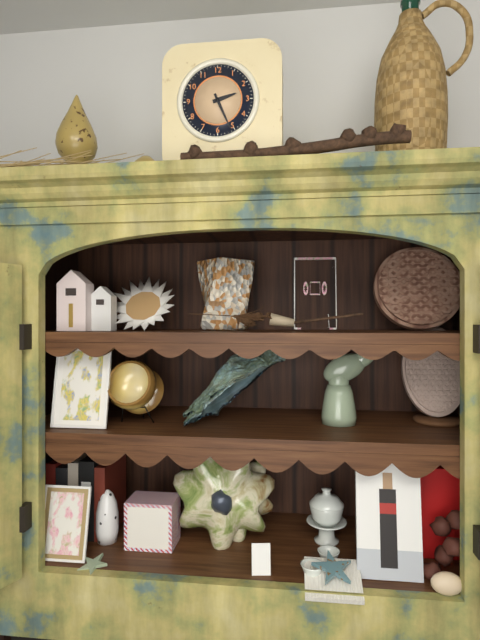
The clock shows 2.26
